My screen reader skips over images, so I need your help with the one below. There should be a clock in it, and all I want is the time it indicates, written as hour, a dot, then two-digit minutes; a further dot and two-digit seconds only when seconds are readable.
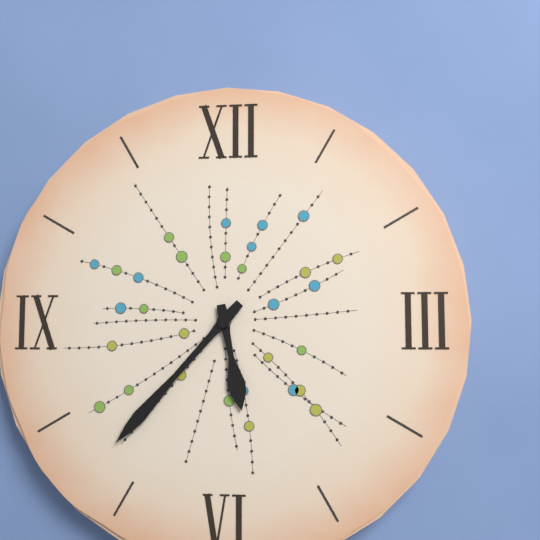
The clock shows 5.37
